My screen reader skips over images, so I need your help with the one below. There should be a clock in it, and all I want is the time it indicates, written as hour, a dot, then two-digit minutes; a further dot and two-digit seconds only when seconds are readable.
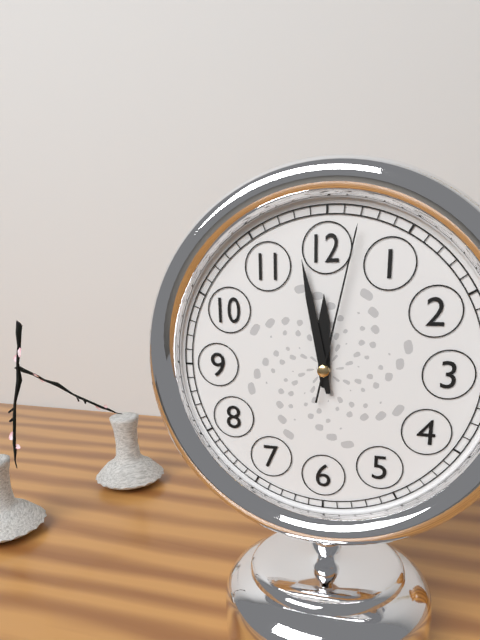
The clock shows 11.58.02
